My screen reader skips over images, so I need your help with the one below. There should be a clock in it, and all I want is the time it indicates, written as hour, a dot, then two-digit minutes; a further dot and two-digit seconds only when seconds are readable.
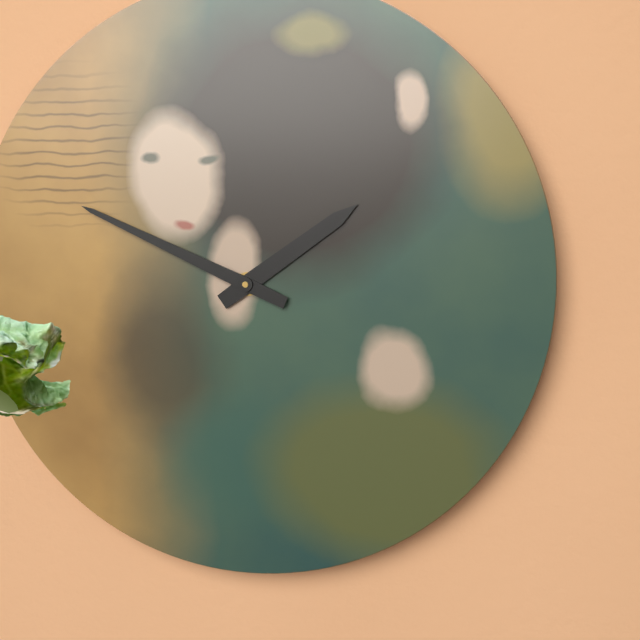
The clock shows 1.49
